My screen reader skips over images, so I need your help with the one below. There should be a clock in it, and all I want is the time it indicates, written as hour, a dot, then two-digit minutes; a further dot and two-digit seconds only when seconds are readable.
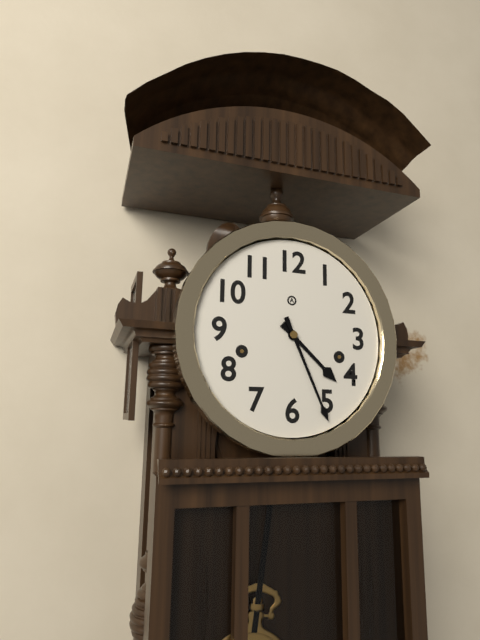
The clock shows 4.26
